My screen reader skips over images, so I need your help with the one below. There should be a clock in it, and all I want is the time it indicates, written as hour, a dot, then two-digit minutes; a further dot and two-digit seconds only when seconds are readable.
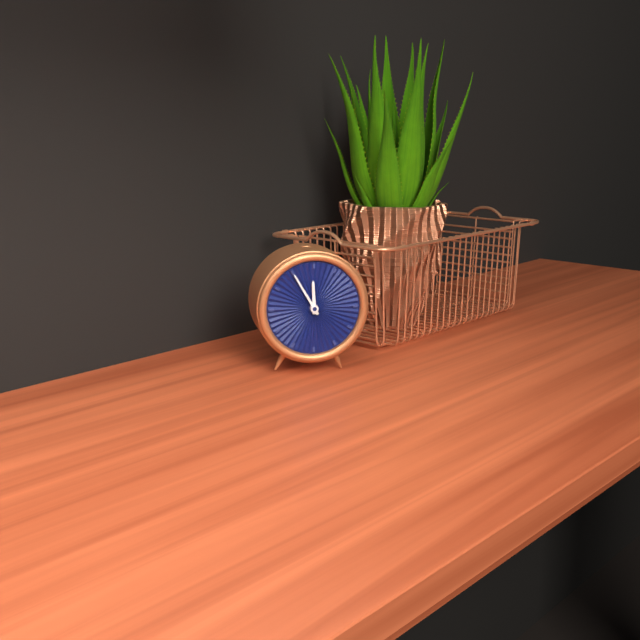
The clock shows 11.55
